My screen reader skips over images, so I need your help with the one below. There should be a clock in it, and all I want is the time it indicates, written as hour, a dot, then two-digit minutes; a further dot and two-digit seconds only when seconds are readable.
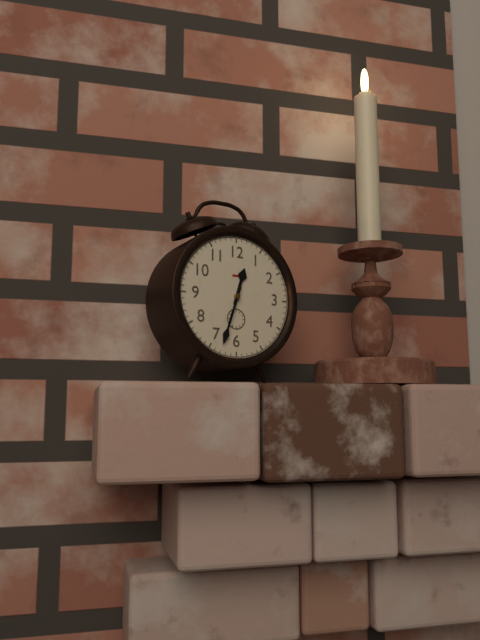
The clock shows 12.33
